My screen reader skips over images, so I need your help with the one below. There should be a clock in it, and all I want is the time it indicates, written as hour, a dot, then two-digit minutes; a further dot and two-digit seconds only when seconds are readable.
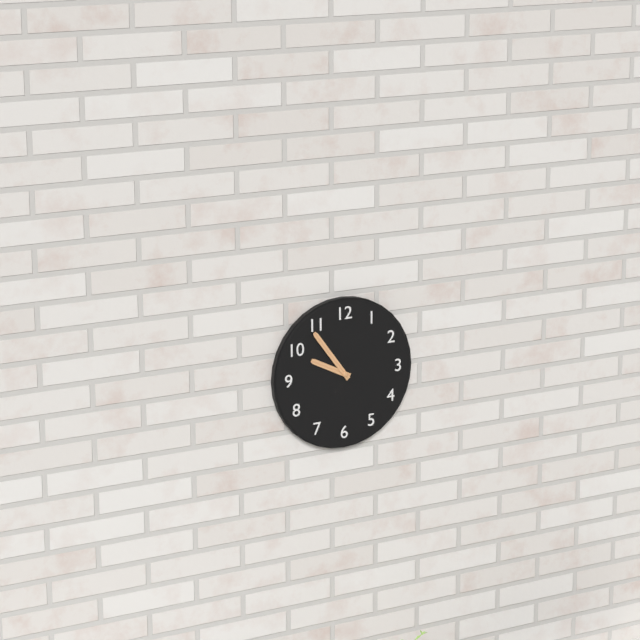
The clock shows 9.54
